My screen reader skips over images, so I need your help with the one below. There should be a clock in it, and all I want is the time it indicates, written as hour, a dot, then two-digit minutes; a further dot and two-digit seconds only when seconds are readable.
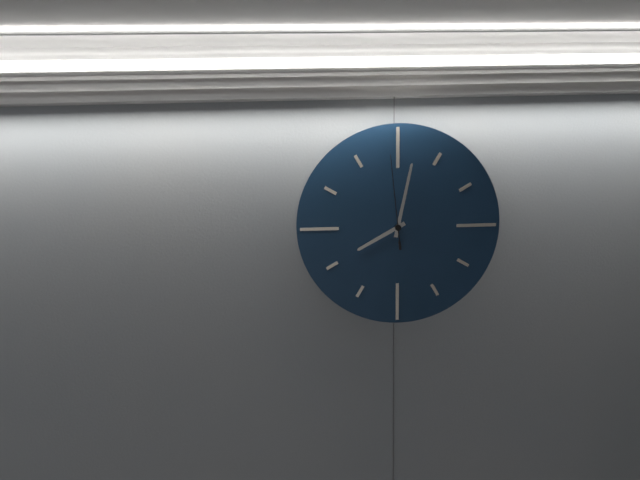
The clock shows 8.02.59
